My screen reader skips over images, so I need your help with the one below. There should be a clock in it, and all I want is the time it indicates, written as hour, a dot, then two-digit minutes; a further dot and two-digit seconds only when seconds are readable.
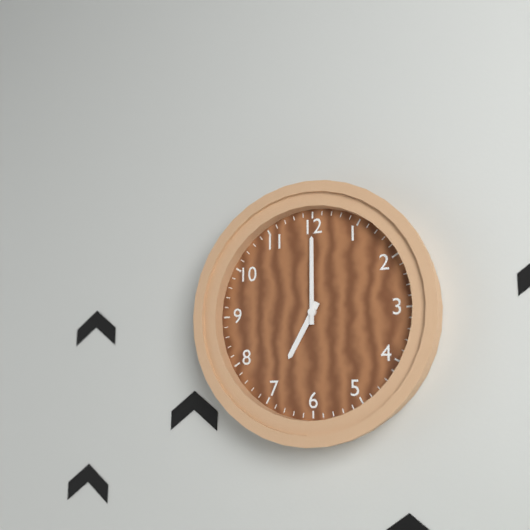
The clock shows 7.00
